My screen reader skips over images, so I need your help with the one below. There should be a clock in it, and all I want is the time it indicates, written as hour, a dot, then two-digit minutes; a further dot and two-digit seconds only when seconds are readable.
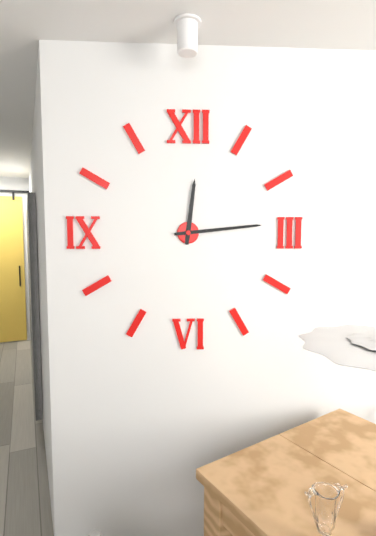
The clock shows 12.14
